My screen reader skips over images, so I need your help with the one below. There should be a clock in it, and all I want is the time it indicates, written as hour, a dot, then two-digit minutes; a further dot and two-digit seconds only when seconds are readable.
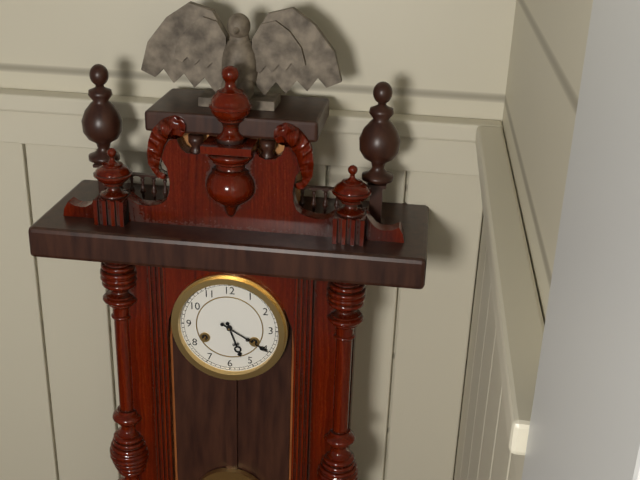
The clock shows 5.20
